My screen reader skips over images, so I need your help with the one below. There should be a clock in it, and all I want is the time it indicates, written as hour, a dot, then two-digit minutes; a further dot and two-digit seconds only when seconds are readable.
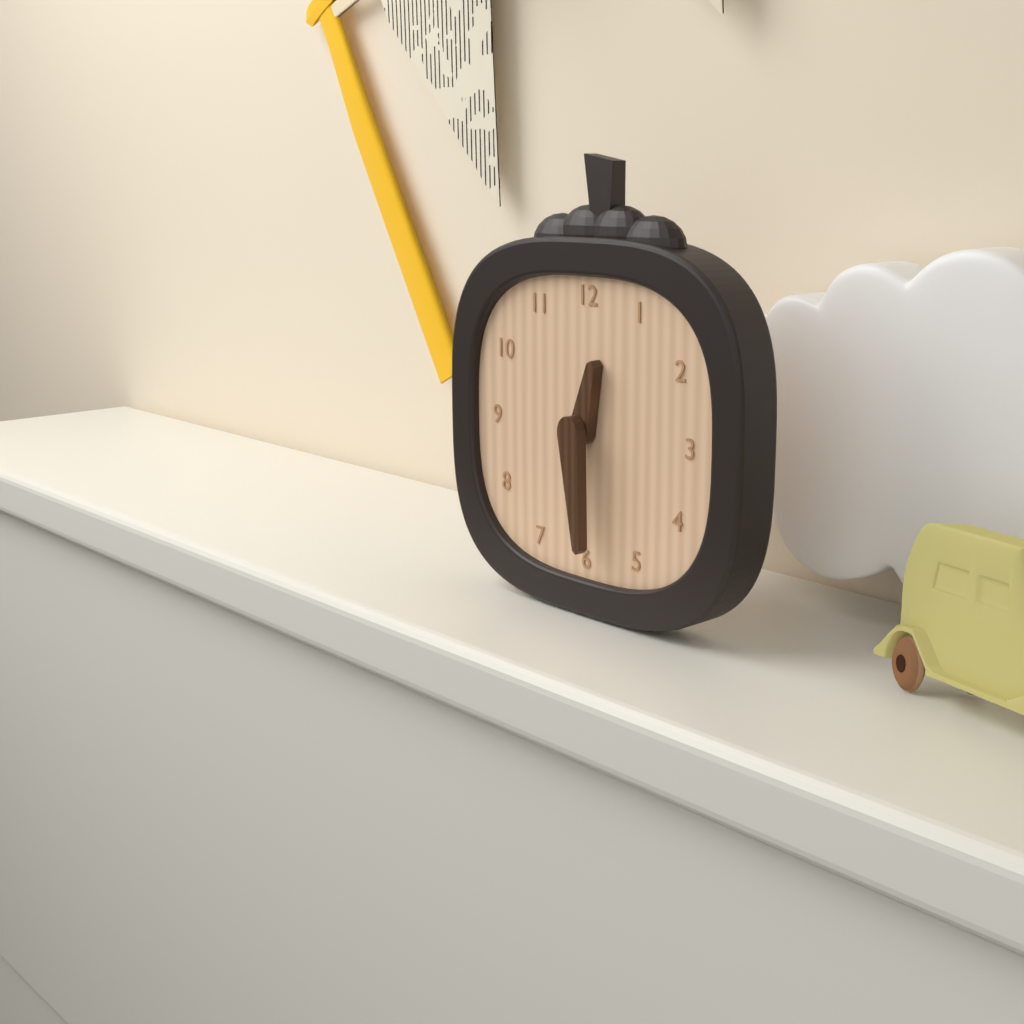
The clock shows 12.29
